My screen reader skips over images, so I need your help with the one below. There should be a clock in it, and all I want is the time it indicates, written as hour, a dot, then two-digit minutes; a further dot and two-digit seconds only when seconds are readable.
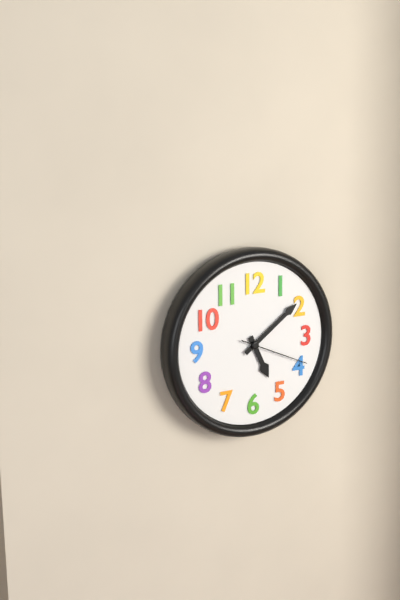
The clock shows 5.09.19
